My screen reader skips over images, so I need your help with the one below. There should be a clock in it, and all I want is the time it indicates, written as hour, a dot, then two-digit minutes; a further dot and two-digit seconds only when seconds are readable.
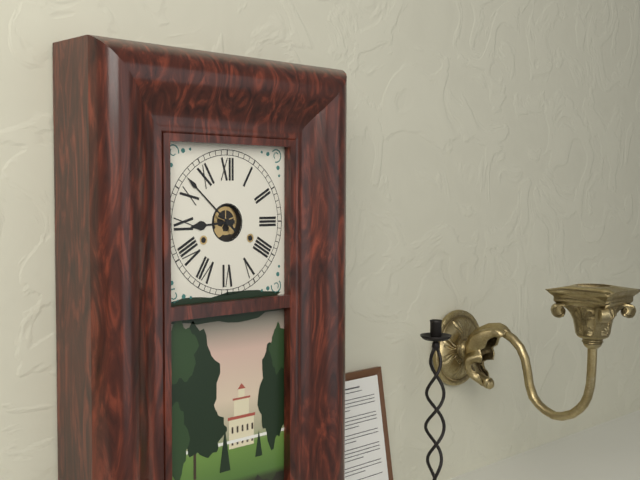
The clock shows 8.52
